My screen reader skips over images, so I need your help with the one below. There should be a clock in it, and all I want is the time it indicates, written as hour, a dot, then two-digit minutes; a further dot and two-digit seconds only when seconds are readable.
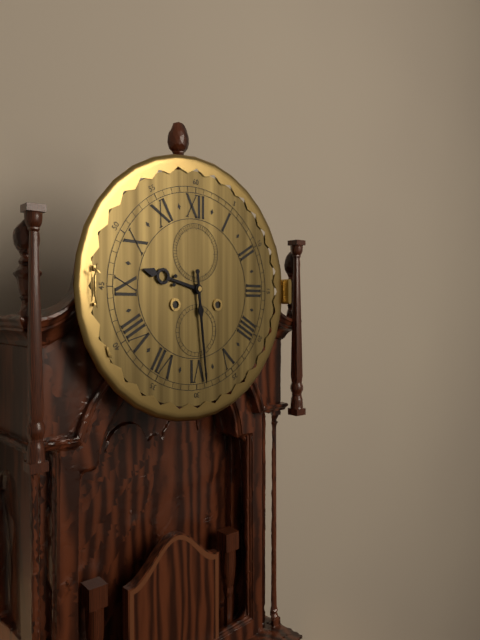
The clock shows 9.29
